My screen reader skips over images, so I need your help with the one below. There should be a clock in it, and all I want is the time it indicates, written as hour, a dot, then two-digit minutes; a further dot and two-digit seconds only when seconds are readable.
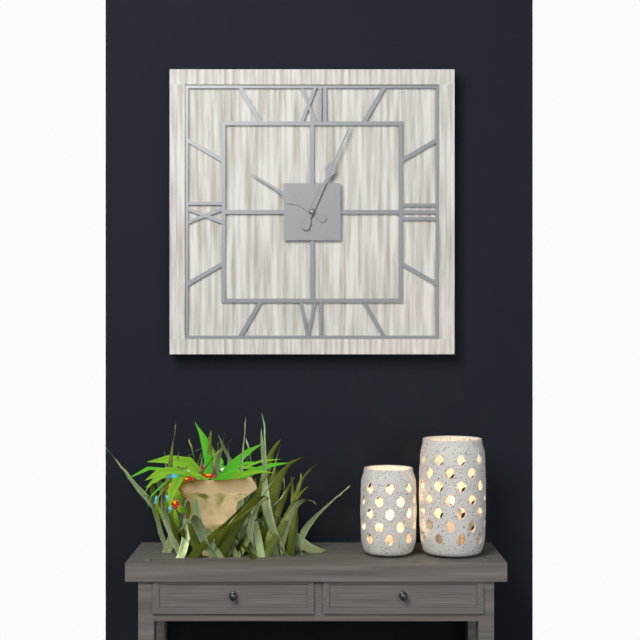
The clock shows 10.04
